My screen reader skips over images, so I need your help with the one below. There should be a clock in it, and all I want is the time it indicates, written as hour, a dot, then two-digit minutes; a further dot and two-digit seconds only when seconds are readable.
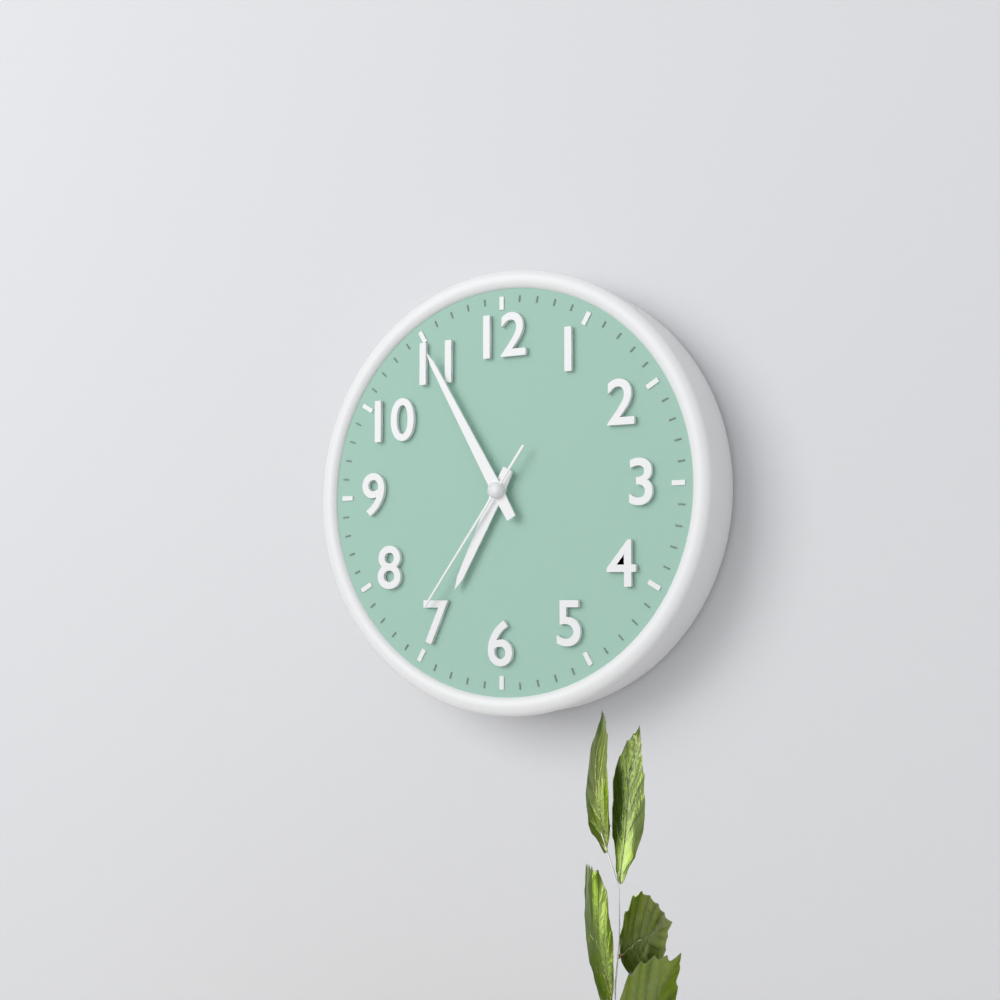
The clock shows 6.55.36
